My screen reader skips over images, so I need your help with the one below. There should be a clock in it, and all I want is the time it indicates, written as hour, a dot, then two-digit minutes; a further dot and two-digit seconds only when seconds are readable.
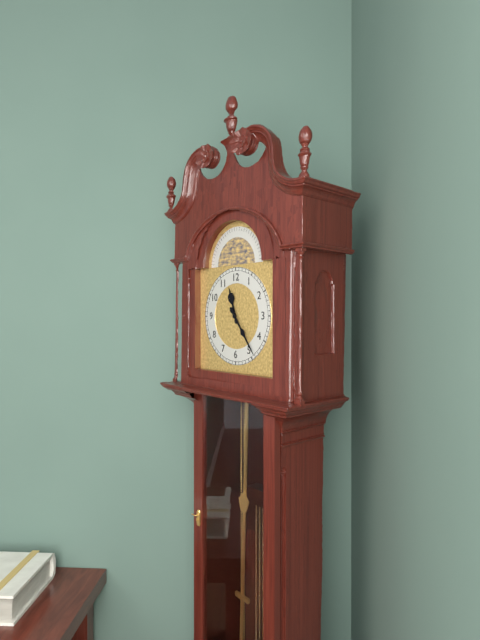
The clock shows 11.24
